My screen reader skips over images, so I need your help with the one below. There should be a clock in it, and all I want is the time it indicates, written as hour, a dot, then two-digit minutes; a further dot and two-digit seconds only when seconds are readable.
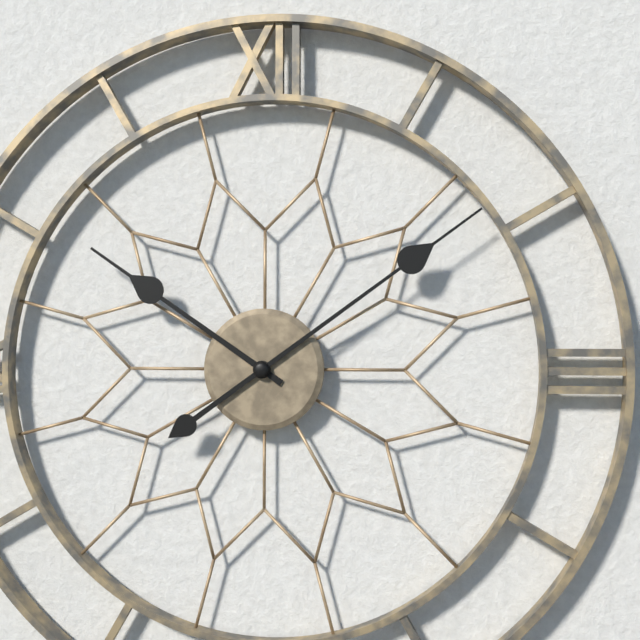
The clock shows 10.09
